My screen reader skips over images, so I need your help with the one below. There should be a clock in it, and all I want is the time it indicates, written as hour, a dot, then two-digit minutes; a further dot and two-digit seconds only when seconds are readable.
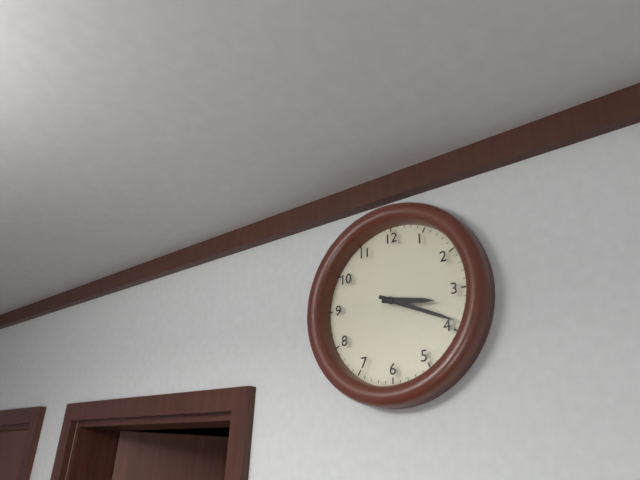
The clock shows 3.19
